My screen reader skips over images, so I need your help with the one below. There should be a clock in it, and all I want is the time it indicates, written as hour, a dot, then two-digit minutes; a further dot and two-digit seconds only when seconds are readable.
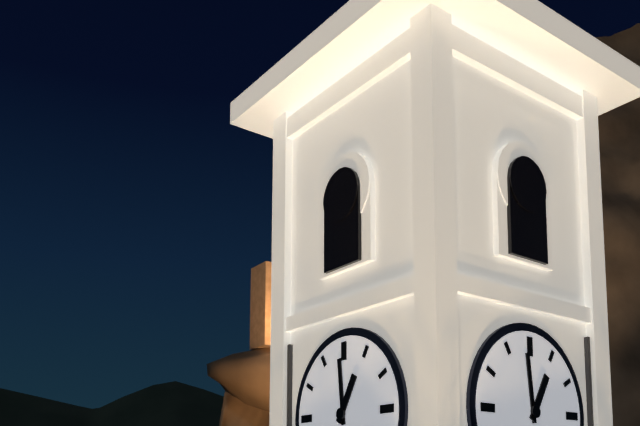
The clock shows 12.59
